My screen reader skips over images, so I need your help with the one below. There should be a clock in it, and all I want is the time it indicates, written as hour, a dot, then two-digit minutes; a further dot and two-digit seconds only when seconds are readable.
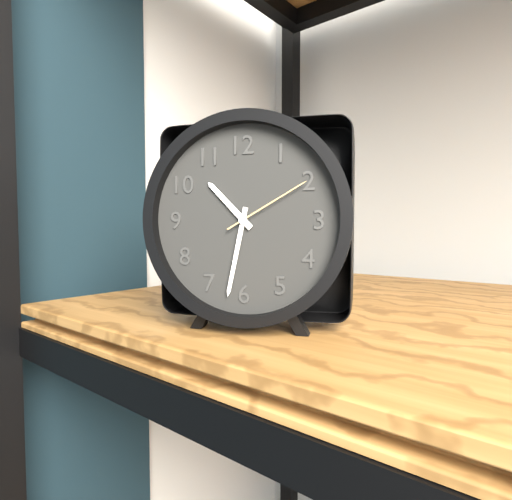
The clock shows 10.32.10
